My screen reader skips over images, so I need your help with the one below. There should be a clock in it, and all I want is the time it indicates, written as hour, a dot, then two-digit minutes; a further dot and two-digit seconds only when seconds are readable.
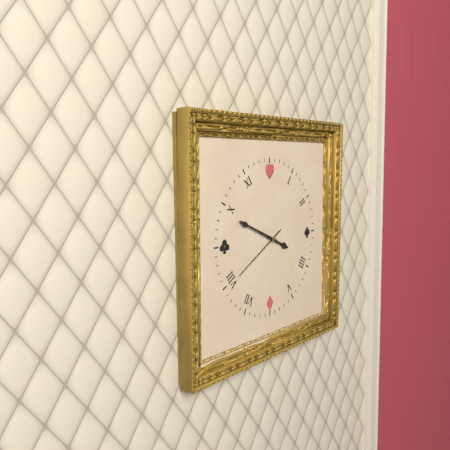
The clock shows 3.49.40
